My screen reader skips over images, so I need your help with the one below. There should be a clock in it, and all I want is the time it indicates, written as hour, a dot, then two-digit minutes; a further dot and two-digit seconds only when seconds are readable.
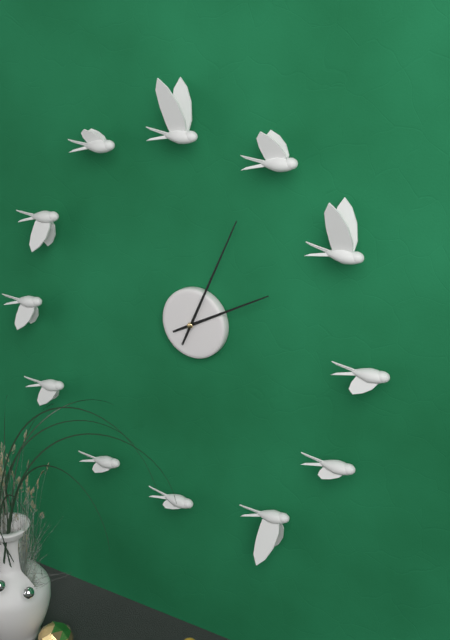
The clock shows 2.04
